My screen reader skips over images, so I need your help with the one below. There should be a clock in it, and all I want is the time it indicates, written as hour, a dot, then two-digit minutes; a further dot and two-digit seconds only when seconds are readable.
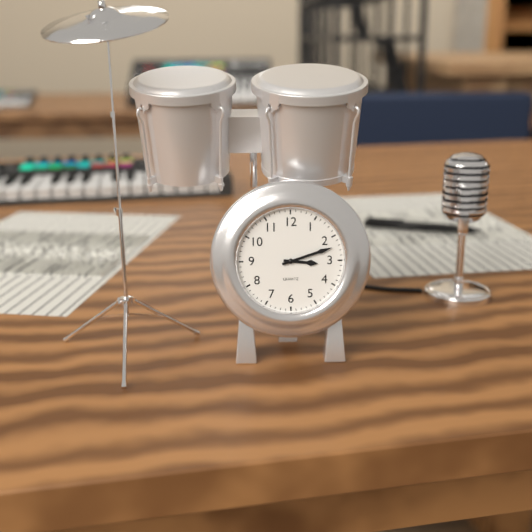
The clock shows 3.12
